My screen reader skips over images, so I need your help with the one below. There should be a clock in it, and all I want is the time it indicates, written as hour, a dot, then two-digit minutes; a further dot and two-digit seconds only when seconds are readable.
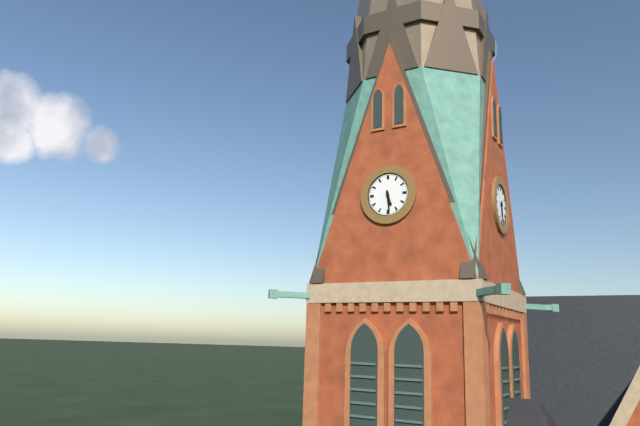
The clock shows 5.29
